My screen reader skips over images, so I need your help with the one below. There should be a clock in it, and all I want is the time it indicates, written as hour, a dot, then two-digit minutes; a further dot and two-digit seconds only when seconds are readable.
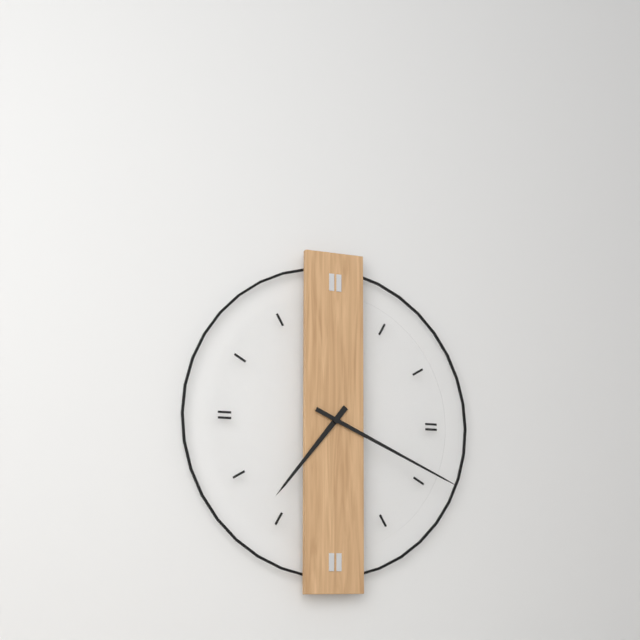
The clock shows 7.19
